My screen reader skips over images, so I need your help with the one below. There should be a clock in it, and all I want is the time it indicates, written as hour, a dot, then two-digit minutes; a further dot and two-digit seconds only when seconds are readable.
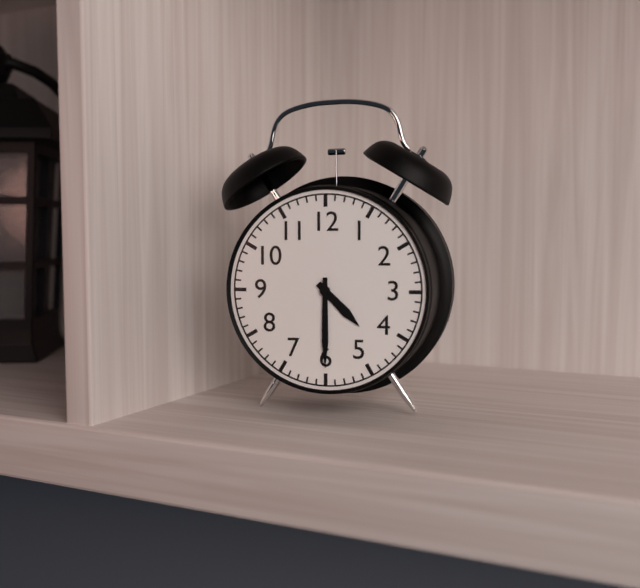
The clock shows 4.30
